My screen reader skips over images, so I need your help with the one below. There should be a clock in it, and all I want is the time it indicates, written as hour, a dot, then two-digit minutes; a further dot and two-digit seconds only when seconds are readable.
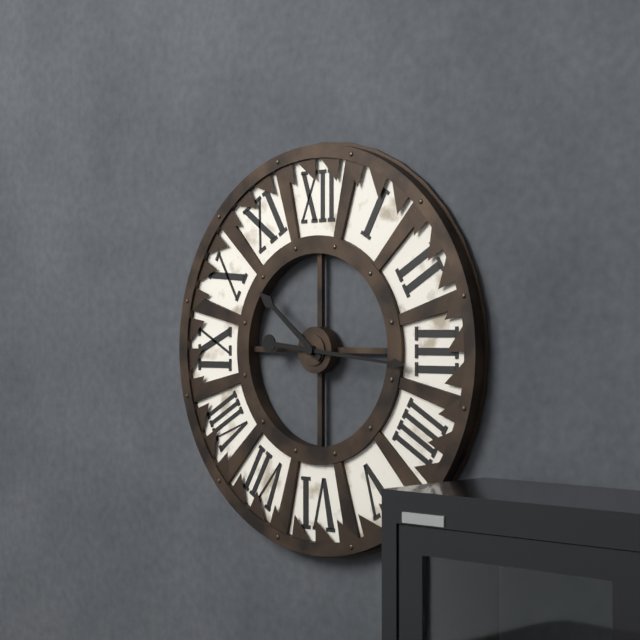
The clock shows 10.16
